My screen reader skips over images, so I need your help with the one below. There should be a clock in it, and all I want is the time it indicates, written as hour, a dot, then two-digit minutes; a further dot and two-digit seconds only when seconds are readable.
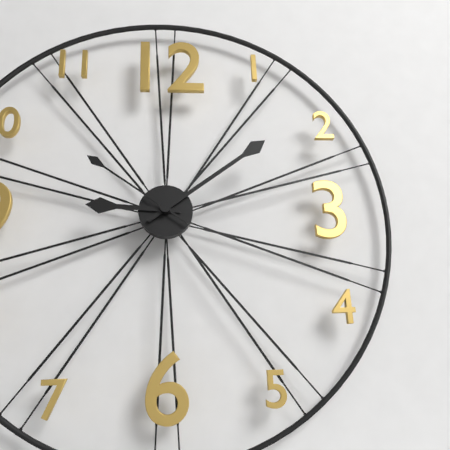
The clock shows 9.09.51
